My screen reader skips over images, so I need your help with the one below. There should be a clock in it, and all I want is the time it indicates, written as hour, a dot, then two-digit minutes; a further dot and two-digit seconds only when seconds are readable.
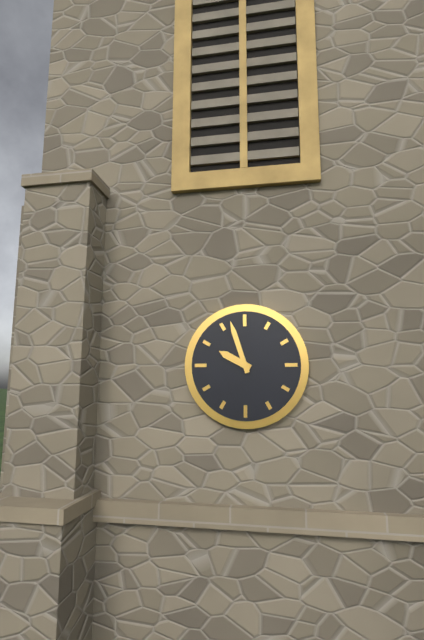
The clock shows 9.57
